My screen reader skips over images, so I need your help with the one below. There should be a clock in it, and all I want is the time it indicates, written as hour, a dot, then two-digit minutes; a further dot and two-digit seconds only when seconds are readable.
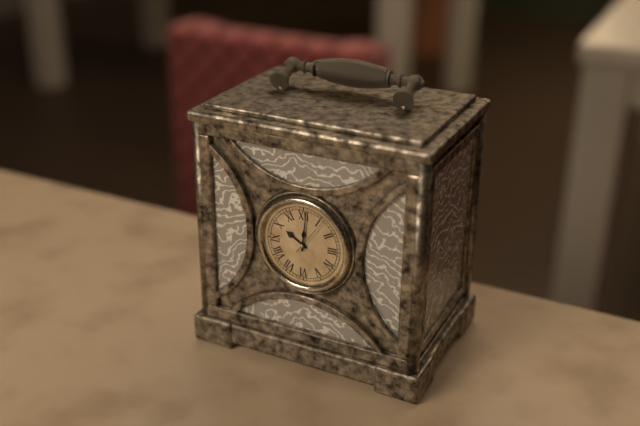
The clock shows 10.01
